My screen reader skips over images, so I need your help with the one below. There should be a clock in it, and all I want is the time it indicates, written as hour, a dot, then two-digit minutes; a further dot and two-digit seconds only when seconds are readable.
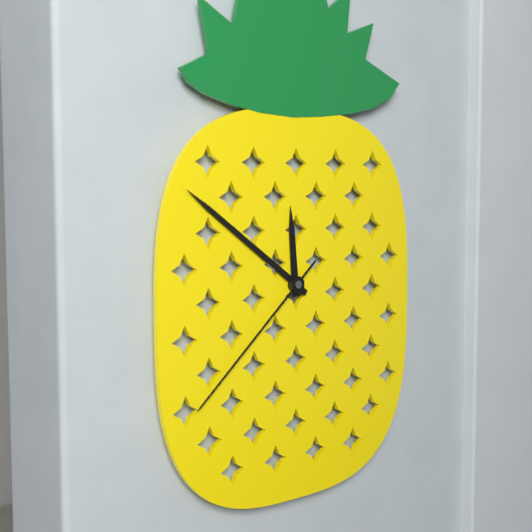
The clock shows 11.51.38
